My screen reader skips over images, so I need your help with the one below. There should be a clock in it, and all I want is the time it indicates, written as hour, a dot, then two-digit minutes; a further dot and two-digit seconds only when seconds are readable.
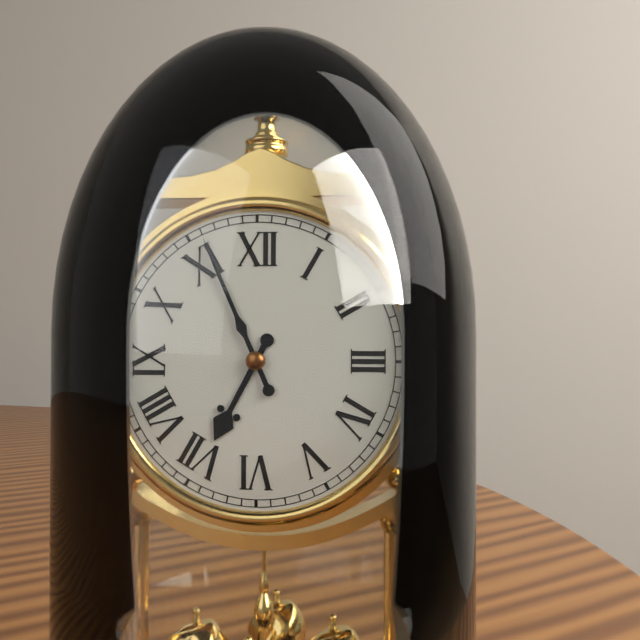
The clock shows 6.56
